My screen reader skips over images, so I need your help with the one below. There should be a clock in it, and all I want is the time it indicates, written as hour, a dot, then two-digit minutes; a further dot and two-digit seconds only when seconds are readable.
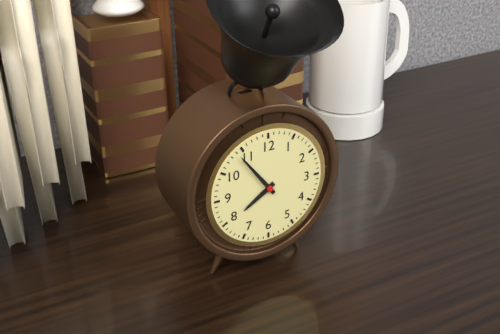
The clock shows 7.54
